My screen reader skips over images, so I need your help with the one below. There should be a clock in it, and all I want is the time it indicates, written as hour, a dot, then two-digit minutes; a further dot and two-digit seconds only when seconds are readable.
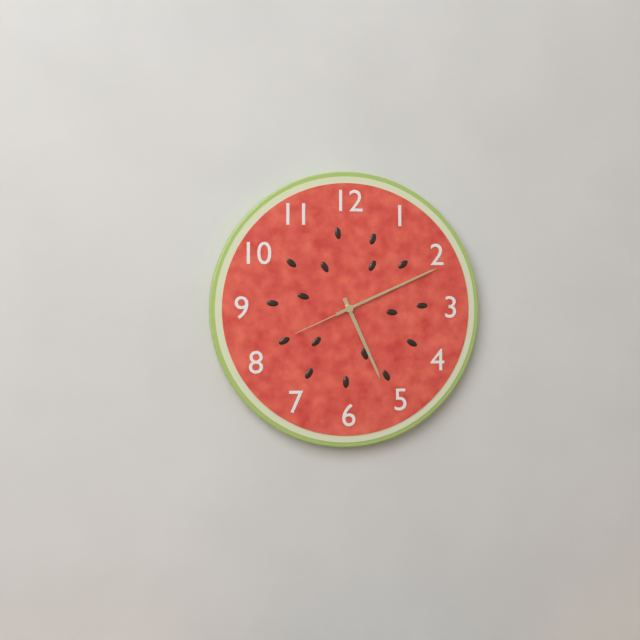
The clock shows 5.11.41
